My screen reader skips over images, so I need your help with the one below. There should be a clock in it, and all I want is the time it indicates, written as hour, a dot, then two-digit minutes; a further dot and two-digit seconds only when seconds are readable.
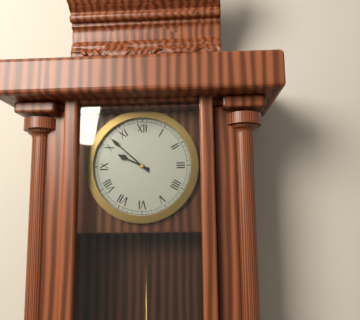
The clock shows 9.52
